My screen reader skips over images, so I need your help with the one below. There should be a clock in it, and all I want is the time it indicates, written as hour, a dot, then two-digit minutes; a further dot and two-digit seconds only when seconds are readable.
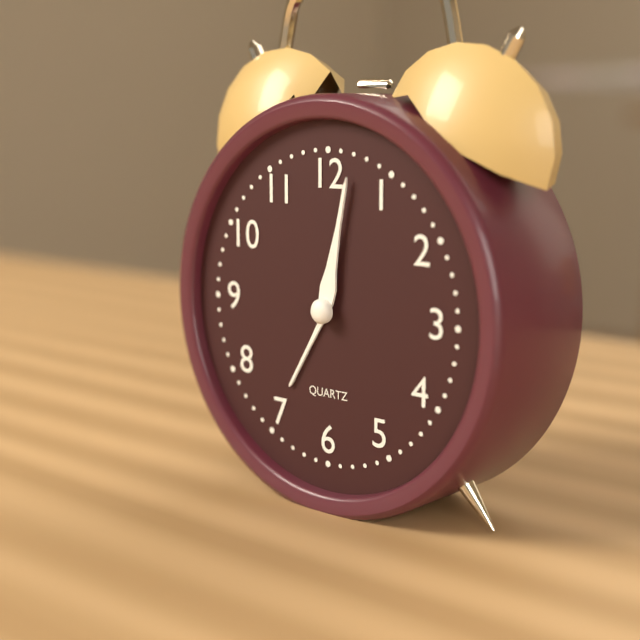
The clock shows 7.02
